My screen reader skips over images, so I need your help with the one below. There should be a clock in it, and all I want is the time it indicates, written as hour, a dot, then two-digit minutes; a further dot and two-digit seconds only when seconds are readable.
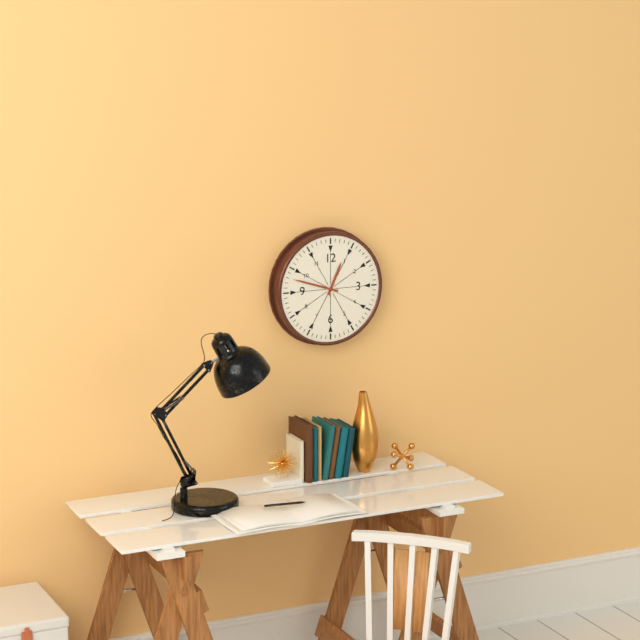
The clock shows 12.48
